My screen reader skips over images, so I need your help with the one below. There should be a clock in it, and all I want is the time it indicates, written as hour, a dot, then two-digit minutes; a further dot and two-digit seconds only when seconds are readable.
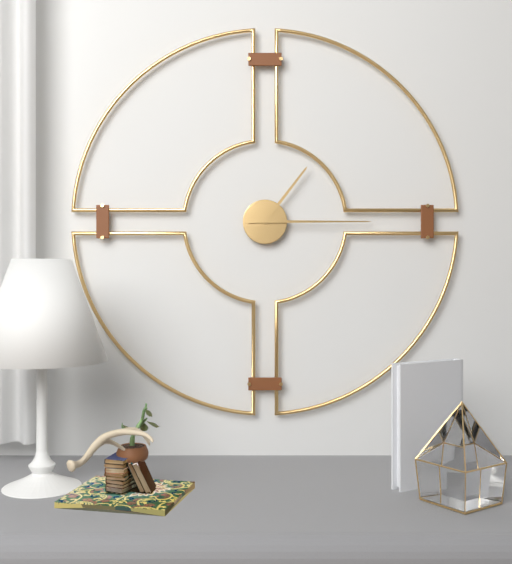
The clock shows 1.15
